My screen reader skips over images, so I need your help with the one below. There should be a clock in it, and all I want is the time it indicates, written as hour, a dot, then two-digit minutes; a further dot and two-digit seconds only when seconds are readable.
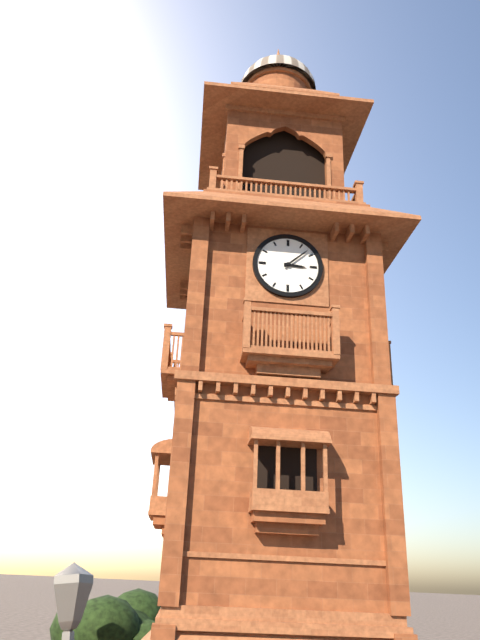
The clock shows 3.08
